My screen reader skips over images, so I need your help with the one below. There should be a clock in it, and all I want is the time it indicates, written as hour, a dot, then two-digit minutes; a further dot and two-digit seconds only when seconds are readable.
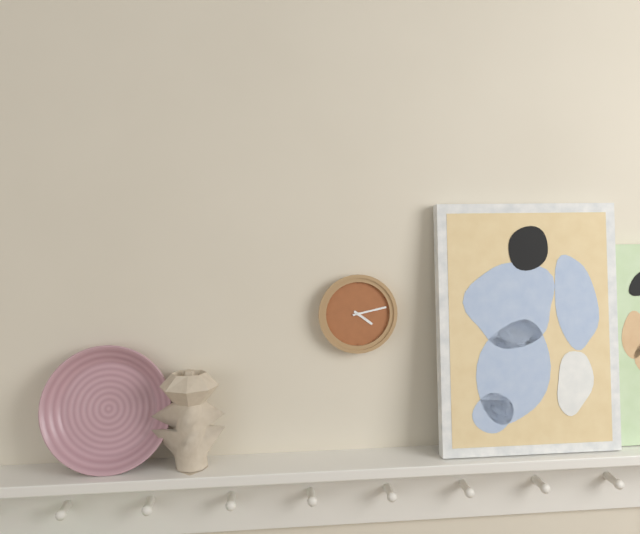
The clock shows 4.13
